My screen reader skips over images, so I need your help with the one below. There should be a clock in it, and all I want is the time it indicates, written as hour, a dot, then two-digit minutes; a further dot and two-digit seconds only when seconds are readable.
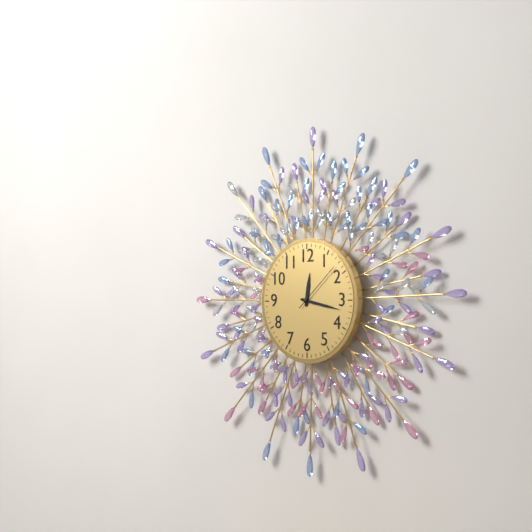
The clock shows 12.17
